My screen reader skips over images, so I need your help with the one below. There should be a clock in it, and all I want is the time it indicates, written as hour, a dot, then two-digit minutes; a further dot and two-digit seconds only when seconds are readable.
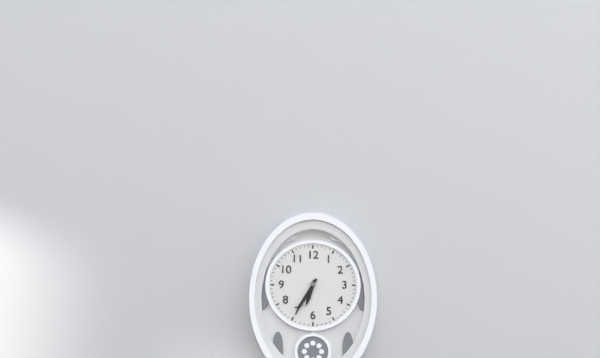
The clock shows 6.35
